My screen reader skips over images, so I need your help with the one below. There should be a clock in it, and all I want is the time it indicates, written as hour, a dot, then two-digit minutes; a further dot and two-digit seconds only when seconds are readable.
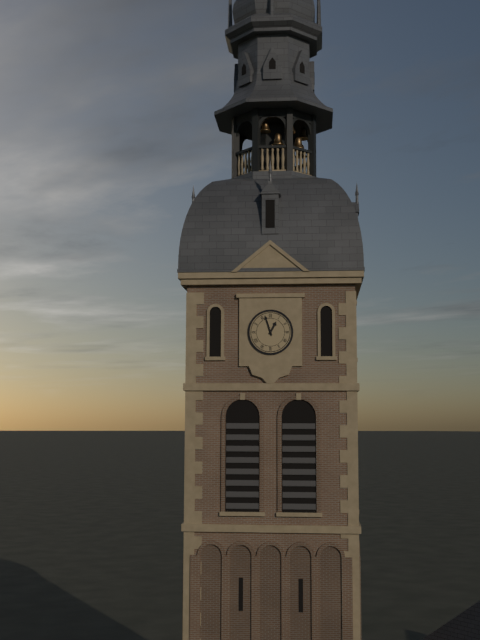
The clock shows 12.57
